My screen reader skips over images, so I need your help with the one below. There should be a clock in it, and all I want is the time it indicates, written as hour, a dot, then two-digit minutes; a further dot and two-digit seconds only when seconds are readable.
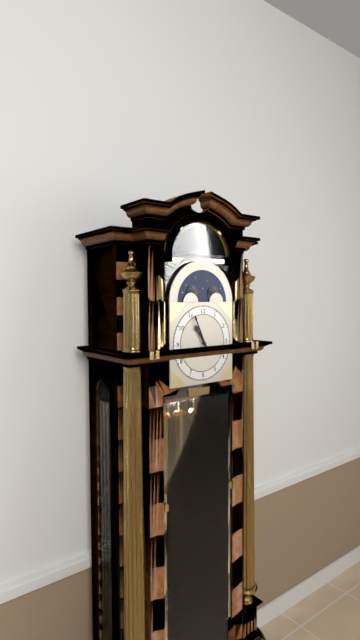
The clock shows 10.56
